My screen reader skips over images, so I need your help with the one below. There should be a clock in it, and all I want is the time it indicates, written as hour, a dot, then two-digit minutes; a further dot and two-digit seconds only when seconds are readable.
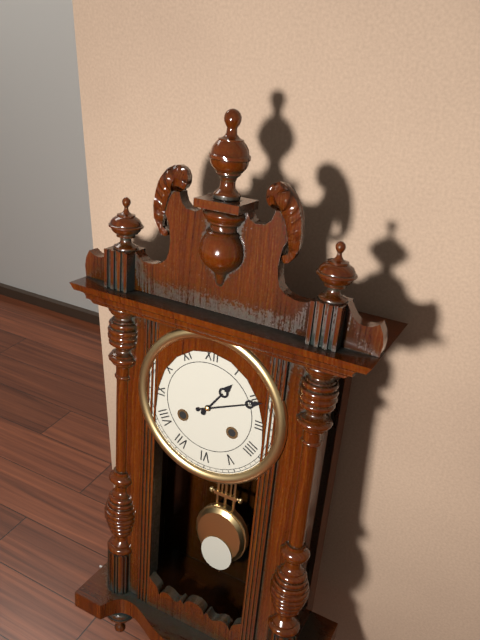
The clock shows 1.11
